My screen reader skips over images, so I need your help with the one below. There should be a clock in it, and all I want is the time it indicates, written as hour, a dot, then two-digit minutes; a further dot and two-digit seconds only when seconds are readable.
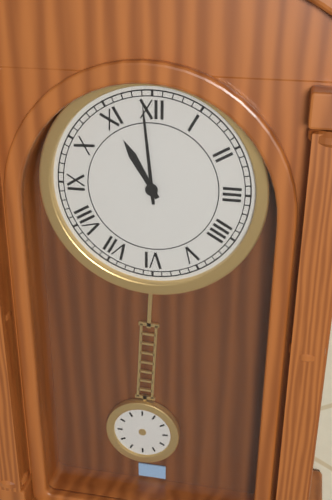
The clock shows 10.59
